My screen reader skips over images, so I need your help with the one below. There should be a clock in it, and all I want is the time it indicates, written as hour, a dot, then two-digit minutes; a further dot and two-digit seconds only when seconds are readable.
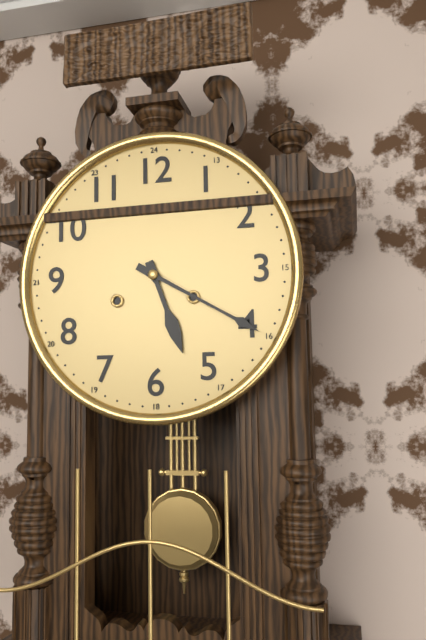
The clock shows 5.20
